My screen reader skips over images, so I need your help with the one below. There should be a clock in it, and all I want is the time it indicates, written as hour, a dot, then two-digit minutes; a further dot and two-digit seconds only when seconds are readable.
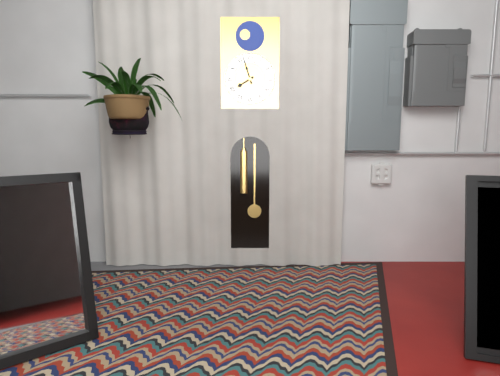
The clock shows 7.57
